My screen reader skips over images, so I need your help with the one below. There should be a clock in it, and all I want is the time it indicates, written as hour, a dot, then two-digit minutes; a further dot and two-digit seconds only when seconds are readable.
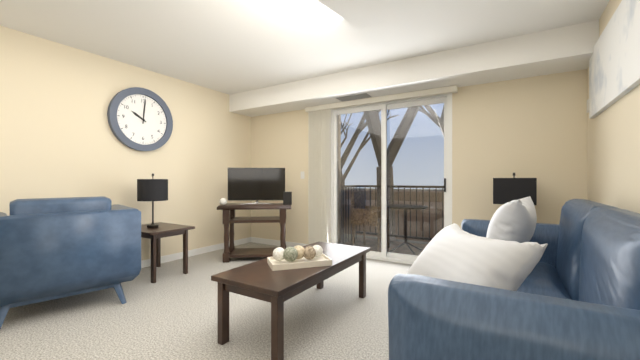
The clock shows 10.01
